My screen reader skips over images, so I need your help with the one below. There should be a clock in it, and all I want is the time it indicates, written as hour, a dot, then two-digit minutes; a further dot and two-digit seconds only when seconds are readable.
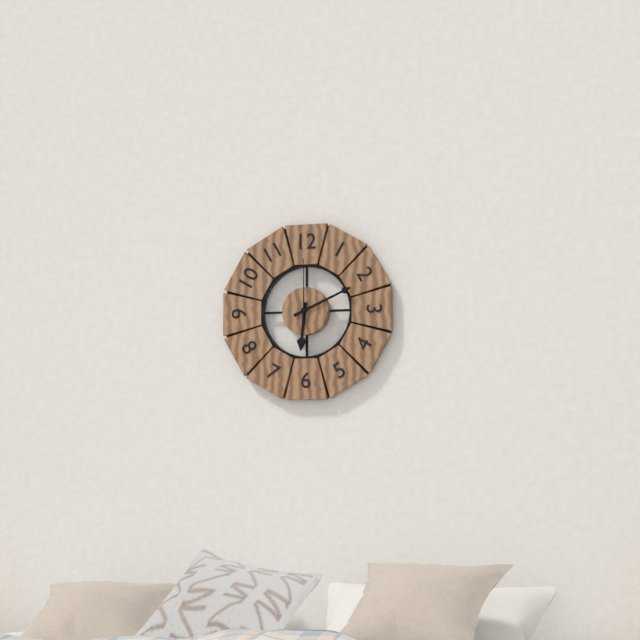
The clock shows 6.11.00
